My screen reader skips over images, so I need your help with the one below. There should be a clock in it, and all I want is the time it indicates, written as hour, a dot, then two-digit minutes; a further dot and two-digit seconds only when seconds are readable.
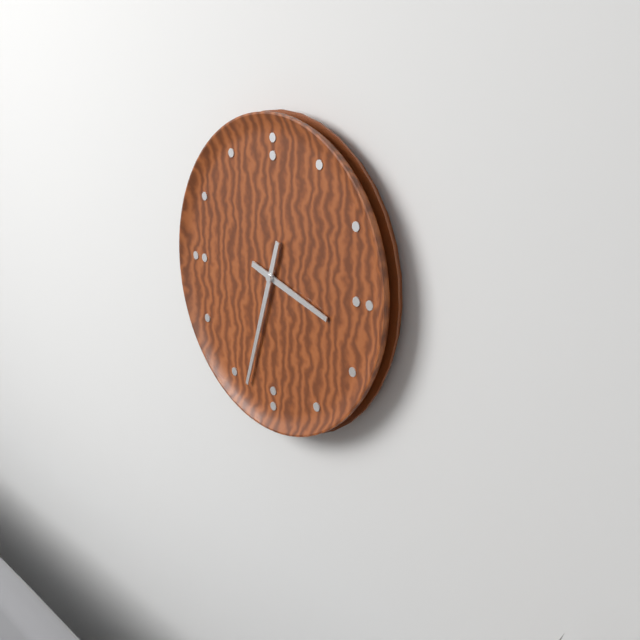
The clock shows 3.33
